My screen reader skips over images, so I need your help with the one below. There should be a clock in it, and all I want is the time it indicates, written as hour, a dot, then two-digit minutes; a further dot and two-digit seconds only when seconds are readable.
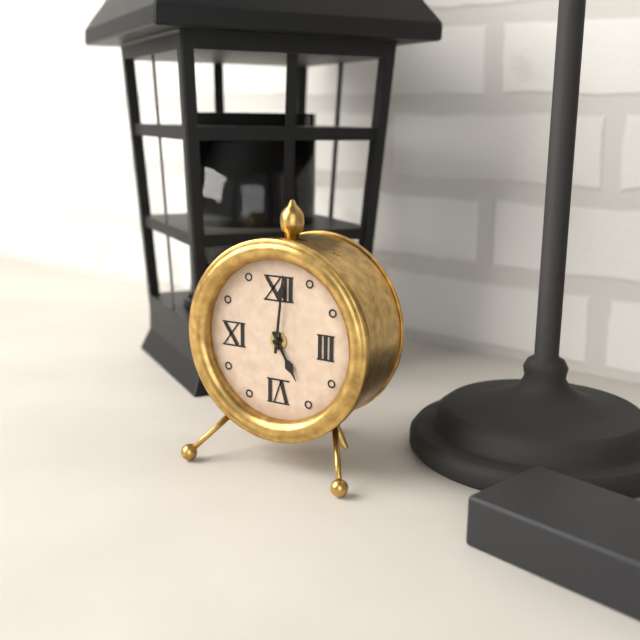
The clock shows 5.01
